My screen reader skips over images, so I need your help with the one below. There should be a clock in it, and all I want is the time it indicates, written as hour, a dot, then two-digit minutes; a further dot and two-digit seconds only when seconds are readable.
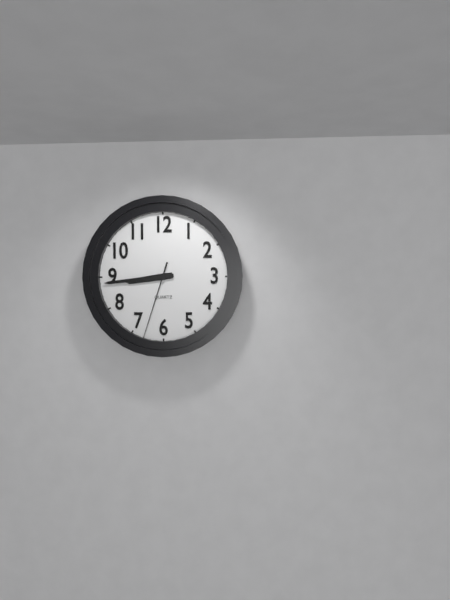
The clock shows 8.44.33
